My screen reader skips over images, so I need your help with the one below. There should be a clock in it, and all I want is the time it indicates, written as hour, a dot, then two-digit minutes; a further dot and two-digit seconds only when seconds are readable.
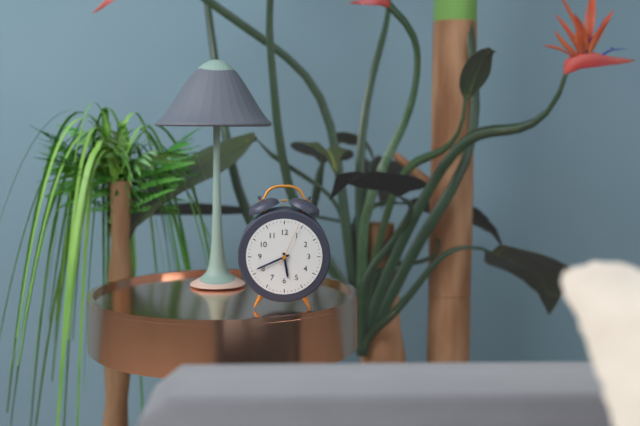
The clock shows 5.41
